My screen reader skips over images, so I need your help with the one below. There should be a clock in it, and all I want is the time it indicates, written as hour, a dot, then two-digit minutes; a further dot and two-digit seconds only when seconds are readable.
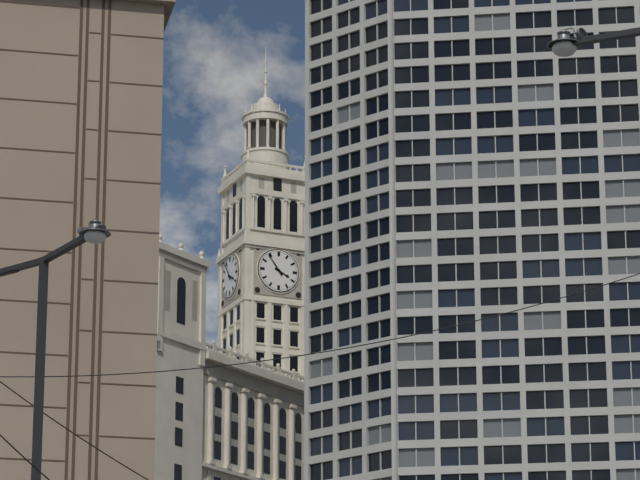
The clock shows 3.54
